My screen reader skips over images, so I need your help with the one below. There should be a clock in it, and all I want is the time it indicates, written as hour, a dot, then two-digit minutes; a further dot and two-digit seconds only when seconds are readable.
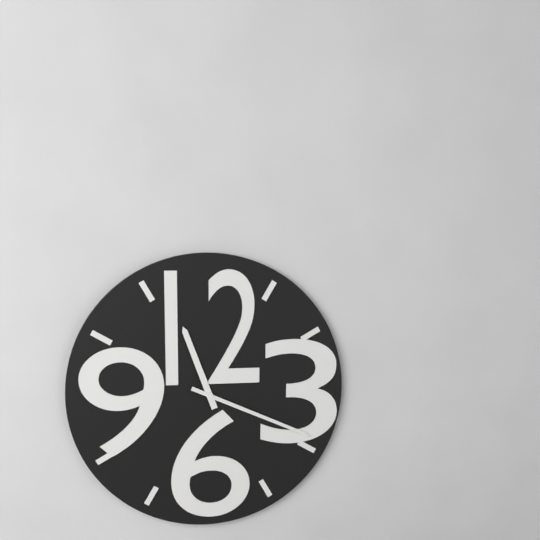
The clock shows 11.19
